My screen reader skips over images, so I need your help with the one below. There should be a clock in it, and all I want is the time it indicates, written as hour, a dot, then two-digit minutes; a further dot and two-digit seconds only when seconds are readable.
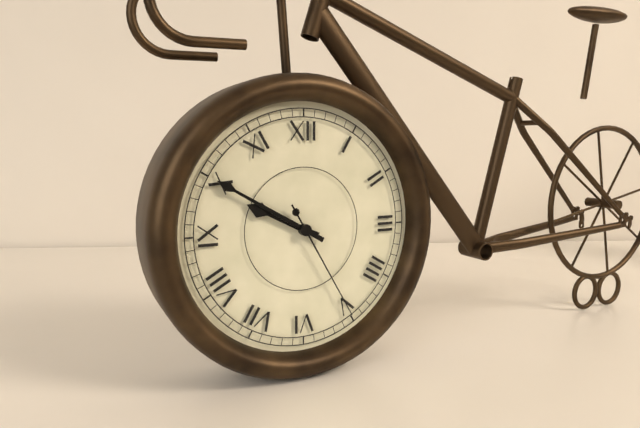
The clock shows 9.50.25
